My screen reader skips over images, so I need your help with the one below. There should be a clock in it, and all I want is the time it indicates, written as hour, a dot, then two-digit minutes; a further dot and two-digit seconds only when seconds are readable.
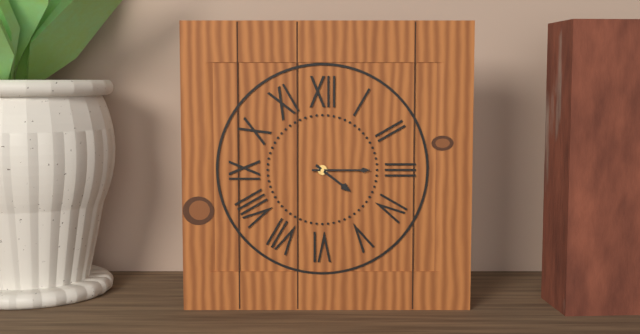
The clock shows 4.15
